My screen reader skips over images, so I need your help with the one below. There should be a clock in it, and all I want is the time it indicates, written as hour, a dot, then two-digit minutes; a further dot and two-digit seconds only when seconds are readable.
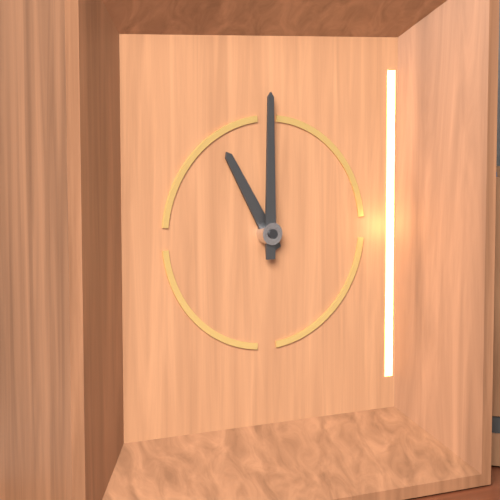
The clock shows 11.00
